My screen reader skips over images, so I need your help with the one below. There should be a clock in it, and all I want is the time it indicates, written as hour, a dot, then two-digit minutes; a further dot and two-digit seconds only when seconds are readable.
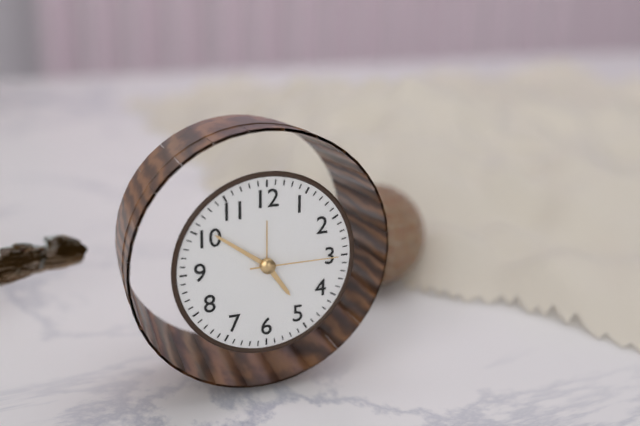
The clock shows 4.51.15
